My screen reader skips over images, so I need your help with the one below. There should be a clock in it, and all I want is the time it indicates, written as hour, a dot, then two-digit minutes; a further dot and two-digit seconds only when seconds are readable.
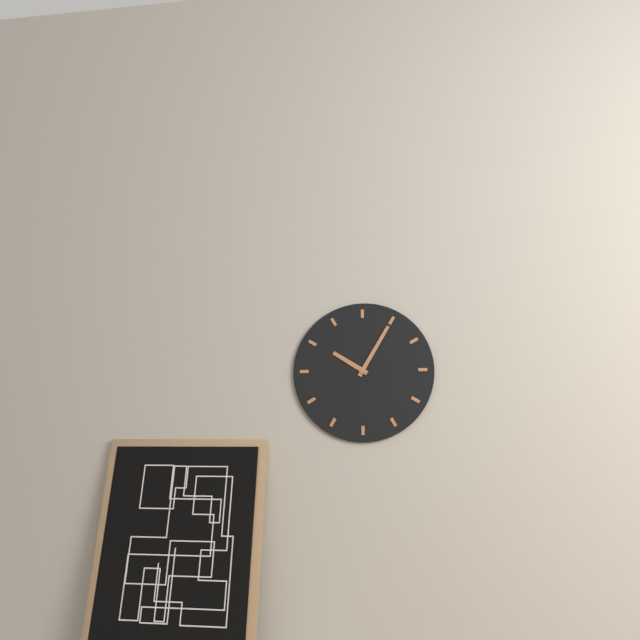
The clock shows 10.05
